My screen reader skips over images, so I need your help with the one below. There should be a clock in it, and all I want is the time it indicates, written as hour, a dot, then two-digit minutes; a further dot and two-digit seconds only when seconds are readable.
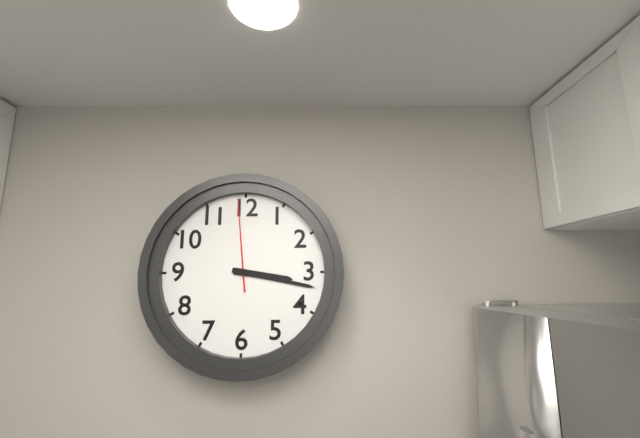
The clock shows 3.17.59
